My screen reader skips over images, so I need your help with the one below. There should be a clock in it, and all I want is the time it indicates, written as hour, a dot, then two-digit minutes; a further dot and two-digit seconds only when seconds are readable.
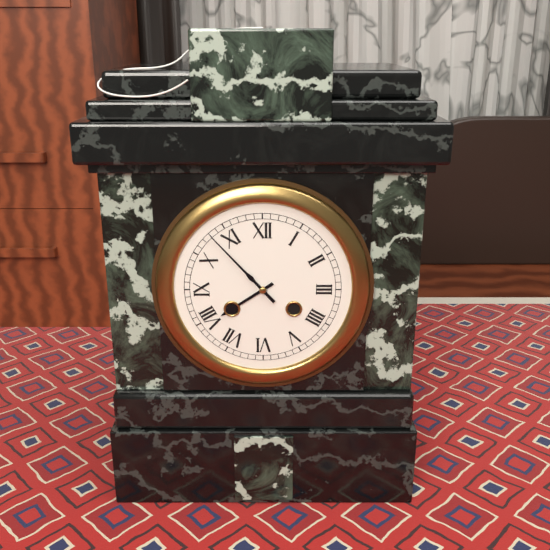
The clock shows 7.53
